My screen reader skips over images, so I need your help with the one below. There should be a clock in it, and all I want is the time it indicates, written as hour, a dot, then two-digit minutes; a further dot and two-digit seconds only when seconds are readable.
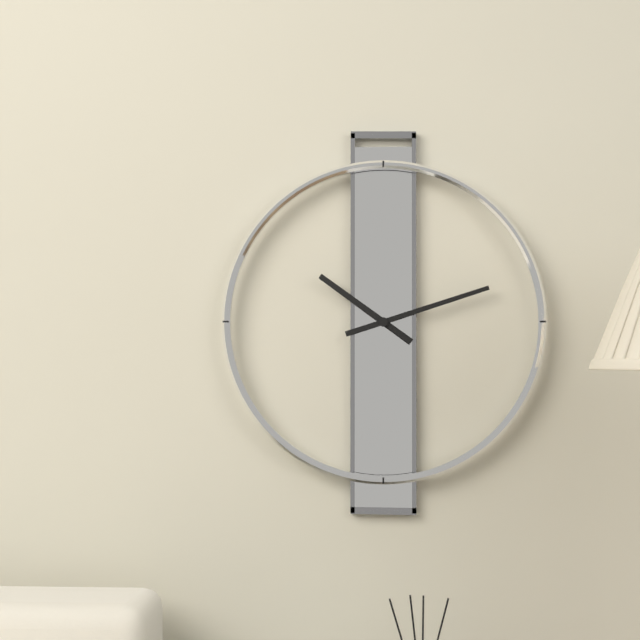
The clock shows 10.12
